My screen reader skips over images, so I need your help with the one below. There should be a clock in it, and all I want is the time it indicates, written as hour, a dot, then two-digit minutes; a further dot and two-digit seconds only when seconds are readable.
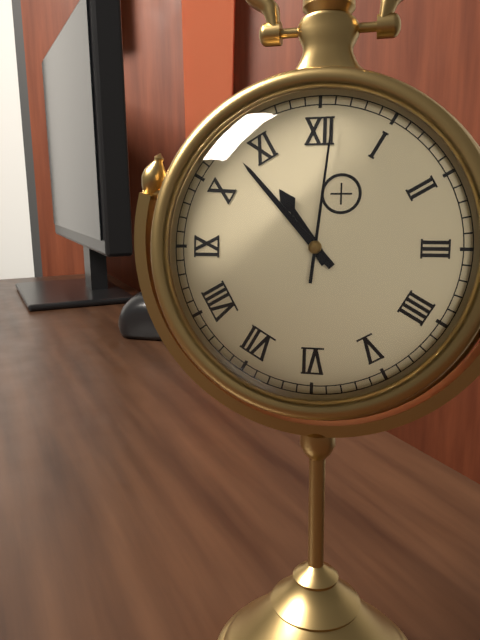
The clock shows 10.53.01
